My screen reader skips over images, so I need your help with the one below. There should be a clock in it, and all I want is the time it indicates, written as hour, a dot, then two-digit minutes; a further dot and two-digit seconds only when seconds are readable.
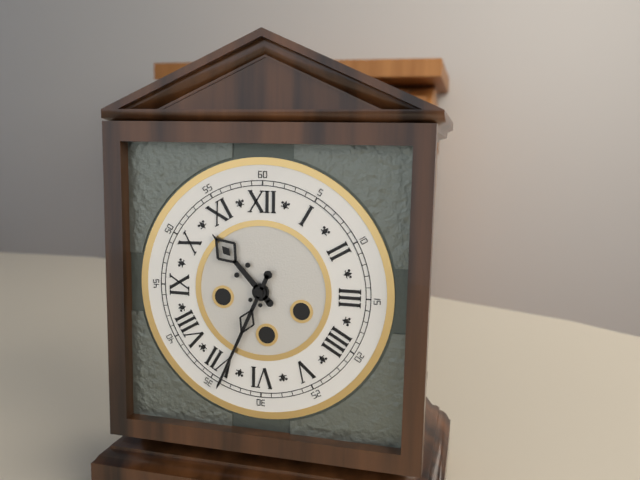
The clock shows 10.34
